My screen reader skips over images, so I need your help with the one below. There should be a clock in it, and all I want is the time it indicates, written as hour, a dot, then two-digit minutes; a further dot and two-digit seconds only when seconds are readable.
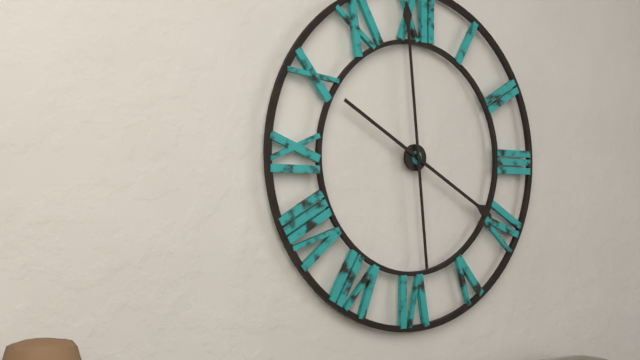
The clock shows 3.59
